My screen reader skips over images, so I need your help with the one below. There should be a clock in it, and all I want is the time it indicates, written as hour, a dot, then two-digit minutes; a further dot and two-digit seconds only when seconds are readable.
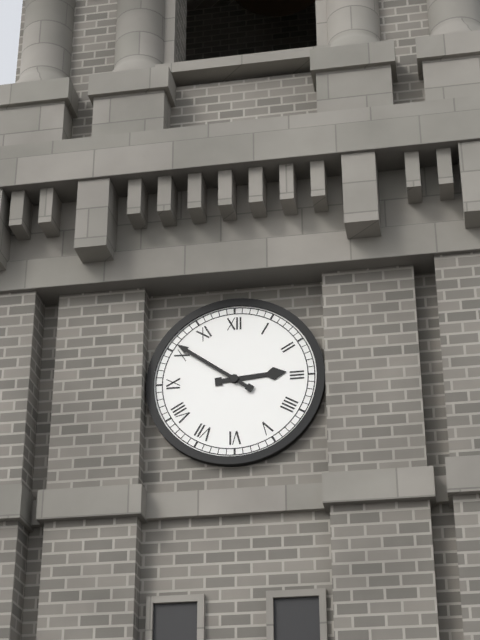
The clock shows 2.51
